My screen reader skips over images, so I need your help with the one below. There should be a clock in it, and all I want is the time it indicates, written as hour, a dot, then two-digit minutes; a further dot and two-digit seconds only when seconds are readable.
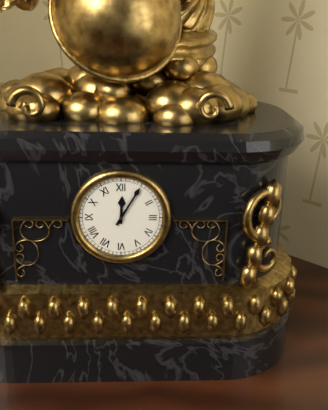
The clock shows 12.05
